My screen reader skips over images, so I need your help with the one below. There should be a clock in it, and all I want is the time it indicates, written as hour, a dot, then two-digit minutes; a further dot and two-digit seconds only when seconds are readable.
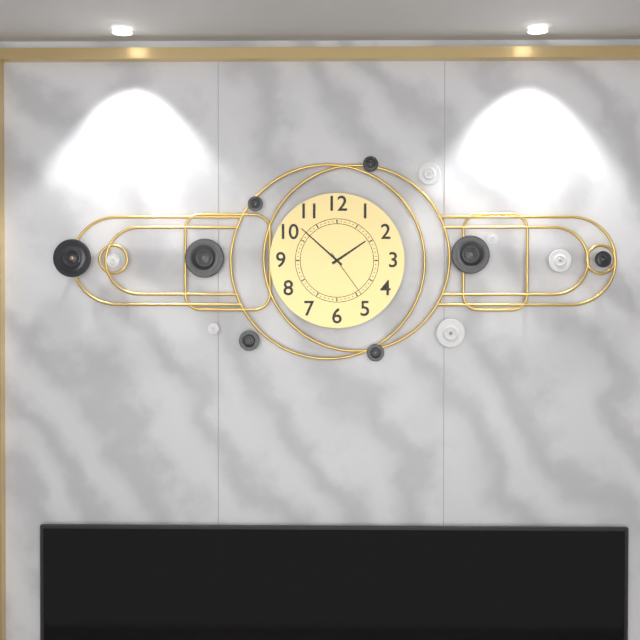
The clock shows 1.52.24
